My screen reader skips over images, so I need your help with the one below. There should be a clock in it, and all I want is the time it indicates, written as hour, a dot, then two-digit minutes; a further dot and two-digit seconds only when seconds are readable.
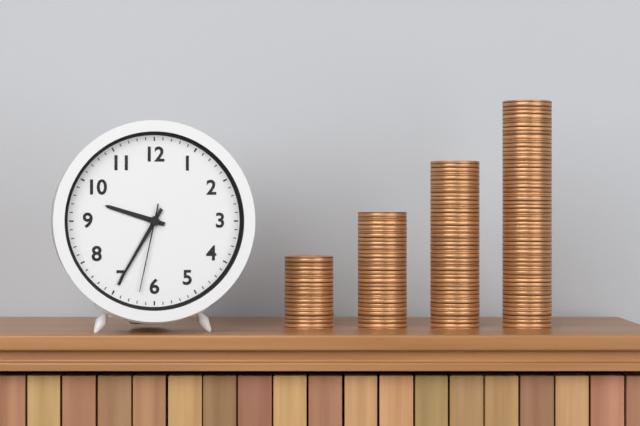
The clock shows 9.35.32
